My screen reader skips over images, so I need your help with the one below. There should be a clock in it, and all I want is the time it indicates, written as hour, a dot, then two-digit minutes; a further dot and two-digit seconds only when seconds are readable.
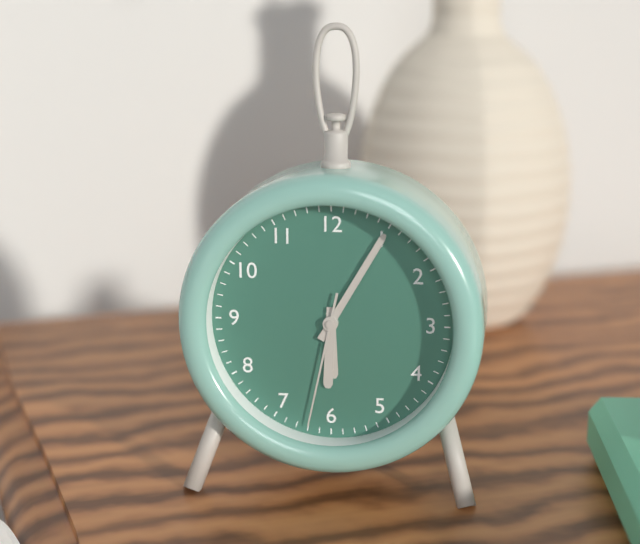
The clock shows 6.05.32
